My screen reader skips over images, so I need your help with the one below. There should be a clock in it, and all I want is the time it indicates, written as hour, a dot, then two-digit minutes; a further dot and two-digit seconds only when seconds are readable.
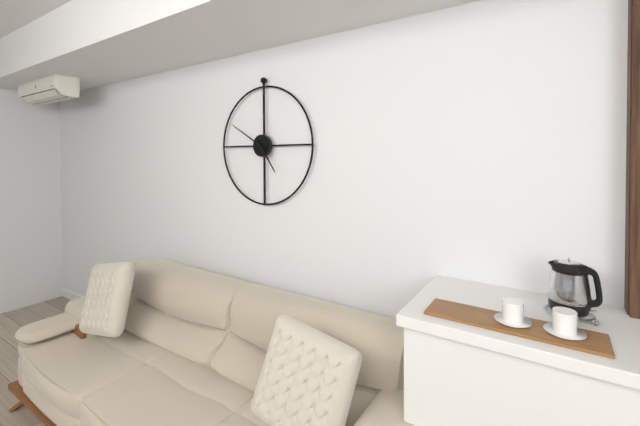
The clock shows 4.50
